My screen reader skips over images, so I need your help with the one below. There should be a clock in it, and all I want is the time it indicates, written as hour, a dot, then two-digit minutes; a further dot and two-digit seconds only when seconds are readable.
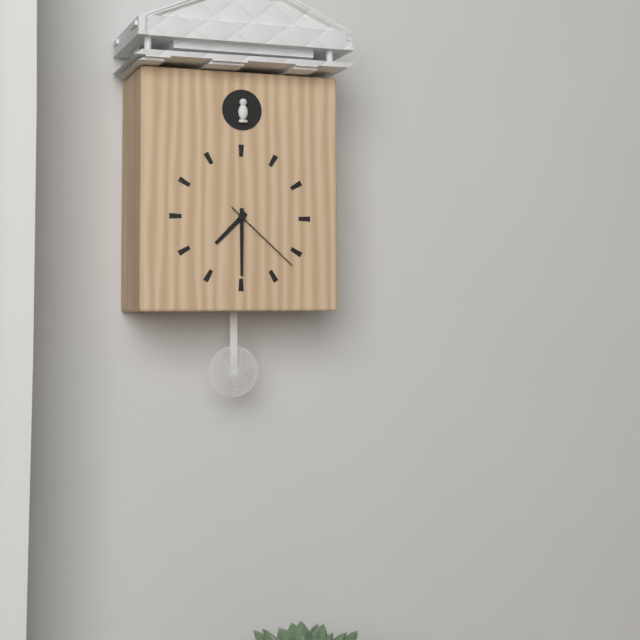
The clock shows 7.30.22
